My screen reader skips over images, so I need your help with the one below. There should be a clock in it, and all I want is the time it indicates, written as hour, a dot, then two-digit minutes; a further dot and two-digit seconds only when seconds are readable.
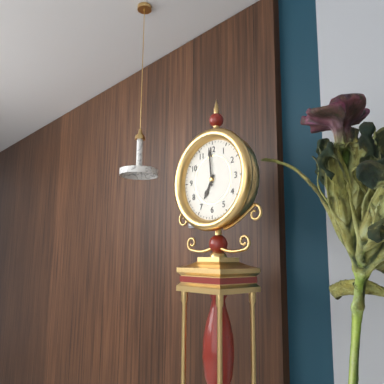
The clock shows 6.59
